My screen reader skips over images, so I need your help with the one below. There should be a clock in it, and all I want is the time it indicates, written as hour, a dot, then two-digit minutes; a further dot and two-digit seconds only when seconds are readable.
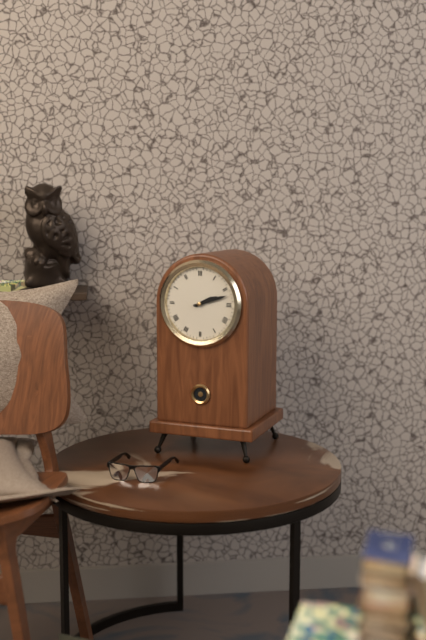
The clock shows 2.12
